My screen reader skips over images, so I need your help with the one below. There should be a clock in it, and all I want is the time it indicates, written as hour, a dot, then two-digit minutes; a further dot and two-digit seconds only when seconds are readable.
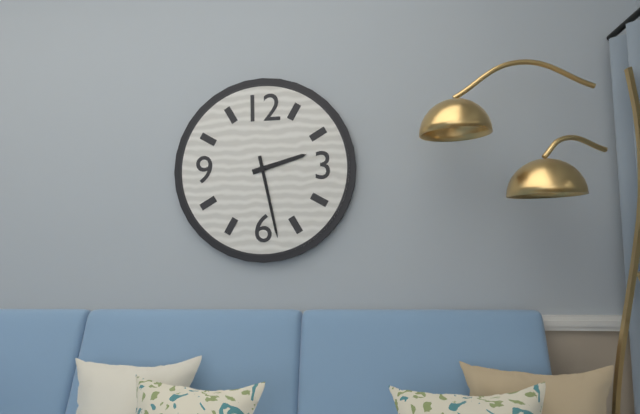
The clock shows 2.28
